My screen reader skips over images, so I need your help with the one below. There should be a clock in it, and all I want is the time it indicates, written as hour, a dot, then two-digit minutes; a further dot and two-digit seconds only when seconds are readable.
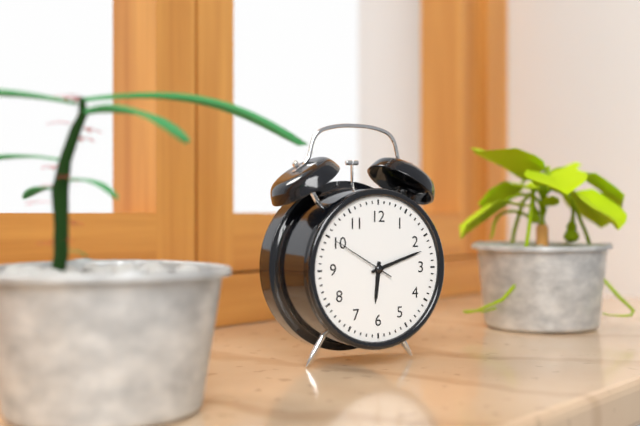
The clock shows 6.12.50
